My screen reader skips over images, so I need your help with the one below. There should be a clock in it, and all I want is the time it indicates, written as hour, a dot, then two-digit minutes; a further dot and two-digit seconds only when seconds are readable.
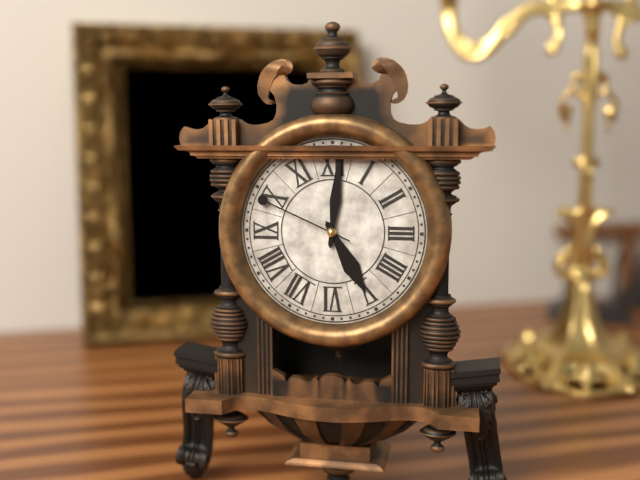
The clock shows 5.01.49
